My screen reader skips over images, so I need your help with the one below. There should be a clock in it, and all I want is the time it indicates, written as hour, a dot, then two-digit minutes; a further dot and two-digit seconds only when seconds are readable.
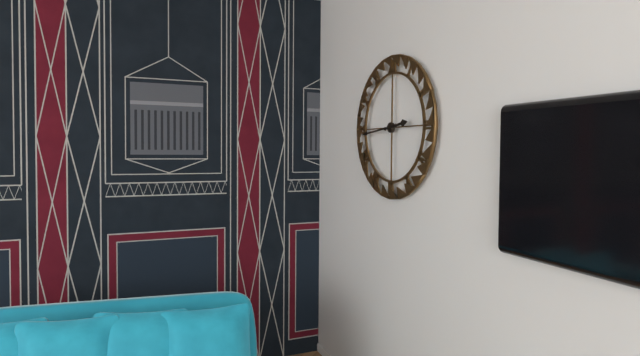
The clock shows 2.44
